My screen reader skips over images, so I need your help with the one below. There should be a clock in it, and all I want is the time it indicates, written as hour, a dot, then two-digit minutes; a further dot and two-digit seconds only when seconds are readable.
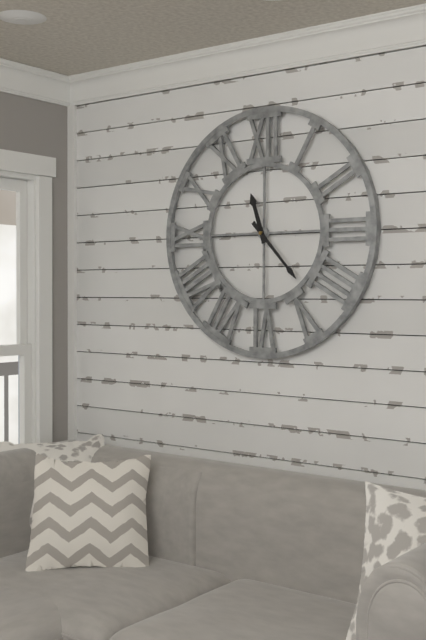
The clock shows 11.23
